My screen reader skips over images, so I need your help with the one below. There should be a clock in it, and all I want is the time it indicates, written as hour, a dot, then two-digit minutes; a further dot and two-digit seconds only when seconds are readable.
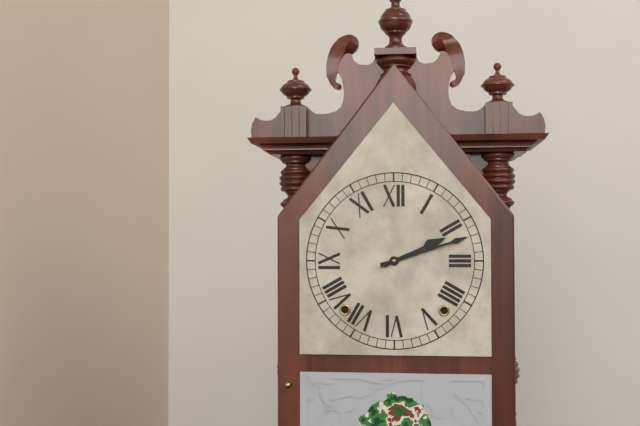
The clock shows 2.12
